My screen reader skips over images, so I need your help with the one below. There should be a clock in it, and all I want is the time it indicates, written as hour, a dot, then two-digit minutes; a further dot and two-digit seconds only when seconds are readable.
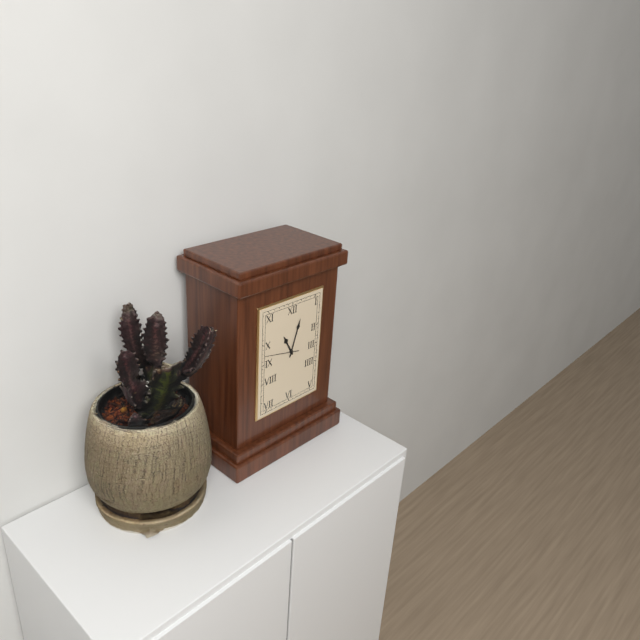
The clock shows 11.03.47
